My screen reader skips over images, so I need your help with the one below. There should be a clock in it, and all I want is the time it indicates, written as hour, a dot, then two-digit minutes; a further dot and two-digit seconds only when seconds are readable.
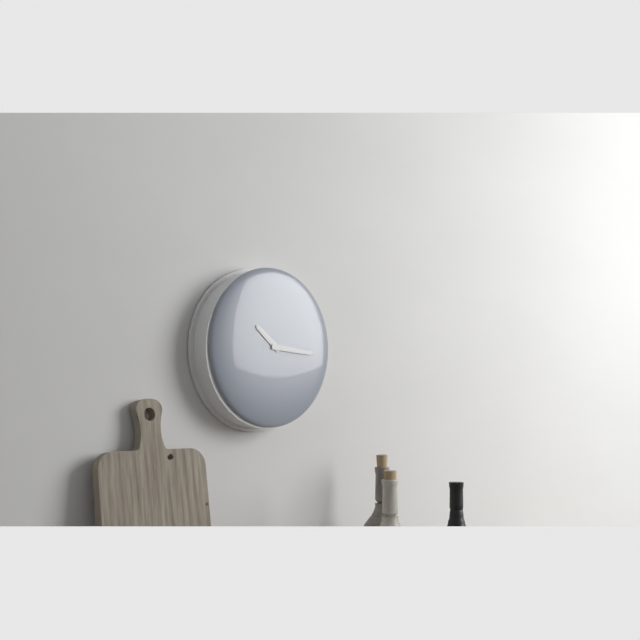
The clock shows 10.16
